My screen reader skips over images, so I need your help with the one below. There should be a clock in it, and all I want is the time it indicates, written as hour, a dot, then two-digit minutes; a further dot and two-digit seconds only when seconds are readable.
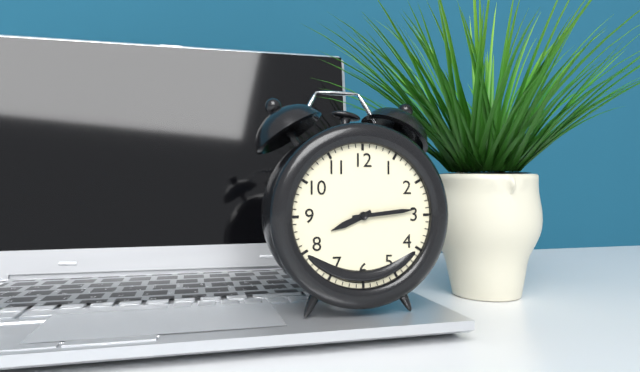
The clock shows 8.14
